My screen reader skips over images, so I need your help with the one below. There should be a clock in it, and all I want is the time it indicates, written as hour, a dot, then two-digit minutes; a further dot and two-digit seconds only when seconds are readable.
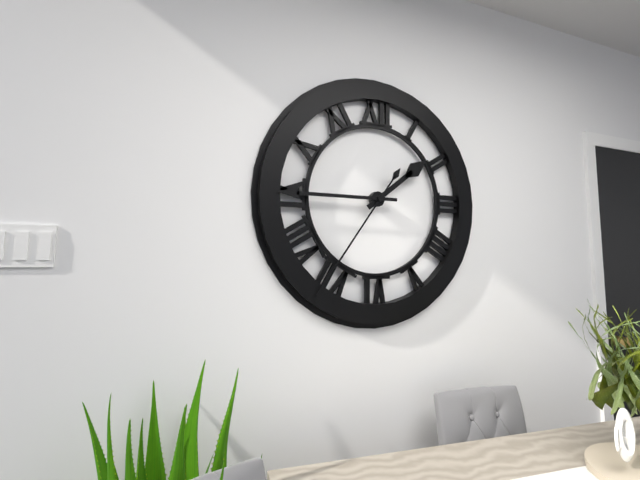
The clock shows 1.45.36
